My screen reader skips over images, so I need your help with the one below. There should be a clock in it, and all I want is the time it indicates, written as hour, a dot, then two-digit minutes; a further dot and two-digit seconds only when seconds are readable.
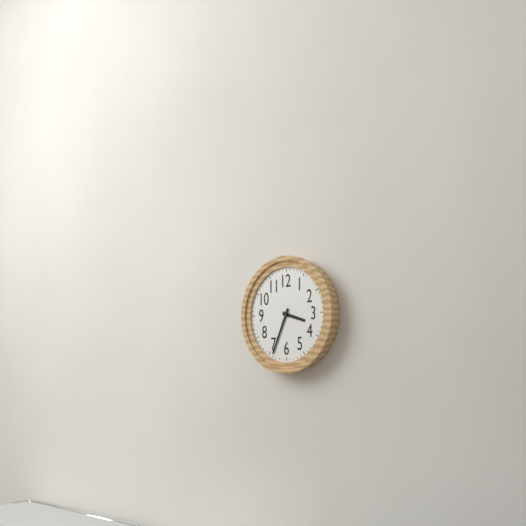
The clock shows 3.34
